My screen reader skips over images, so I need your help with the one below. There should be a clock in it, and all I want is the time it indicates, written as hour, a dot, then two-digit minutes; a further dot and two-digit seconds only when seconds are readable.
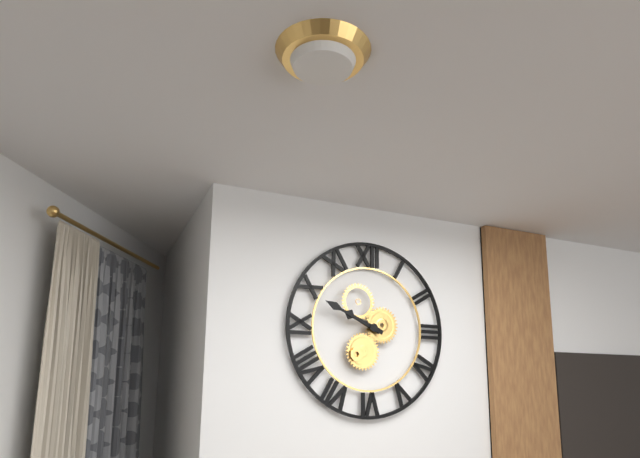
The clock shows 9.49
